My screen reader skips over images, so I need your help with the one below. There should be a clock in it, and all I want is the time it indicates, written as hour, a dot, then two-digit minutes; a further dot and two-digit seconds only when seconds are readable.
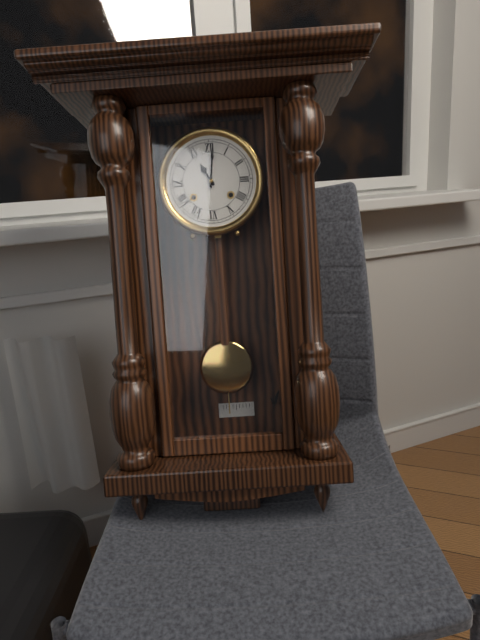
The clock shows 11.01
